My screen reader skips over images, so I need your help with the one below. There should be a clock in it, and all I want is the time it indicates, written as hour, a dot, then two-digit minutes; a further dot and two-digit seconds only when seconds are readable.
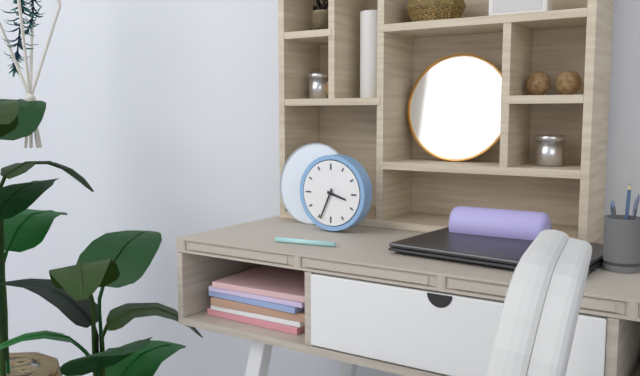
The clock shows 3.34
